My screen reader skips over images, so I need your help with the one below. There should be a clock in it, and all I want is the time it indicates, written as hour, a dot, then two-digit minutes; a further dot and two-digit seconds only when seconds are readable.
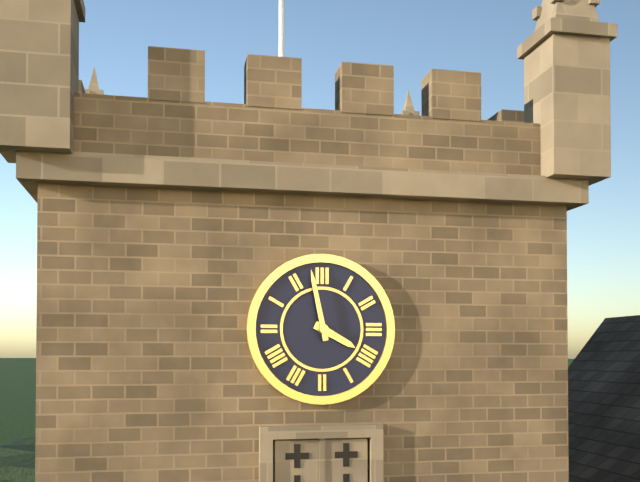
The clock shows 3.58
